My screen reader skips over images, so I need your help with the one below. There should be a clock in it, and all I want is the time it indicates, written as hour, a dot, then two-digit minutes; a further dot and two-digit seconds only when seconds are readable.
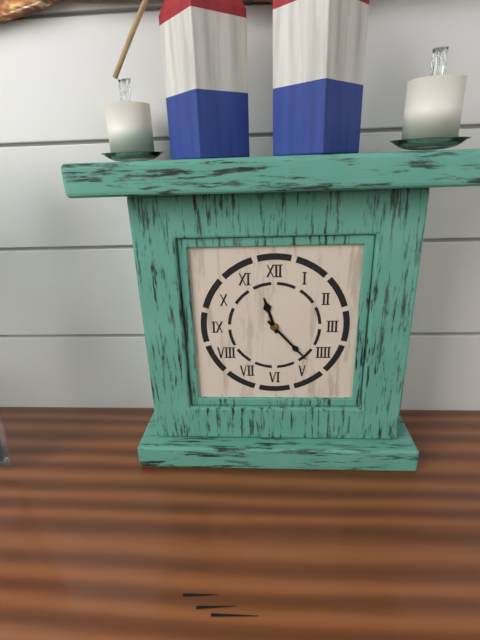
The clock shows 11.23
